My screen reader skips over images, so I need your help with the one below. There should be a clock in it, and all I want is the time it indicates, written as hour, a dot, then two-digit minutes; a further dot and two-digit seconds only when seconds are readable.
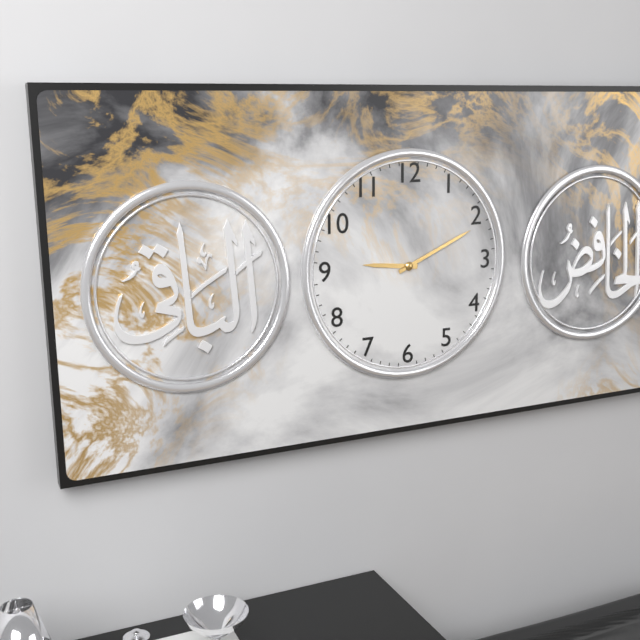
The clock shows 9.11
